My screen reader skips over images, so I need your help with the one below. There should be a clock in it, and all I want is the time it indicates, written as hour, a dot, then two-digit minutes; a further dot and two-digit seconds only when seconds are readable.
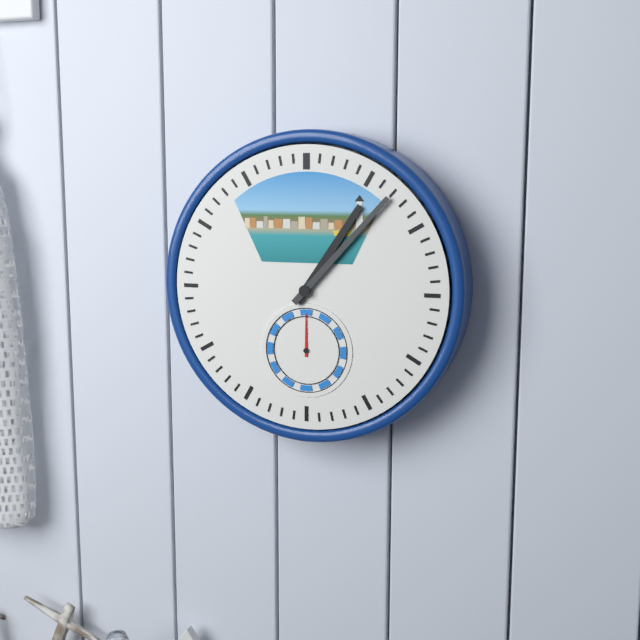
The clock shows 1.07
